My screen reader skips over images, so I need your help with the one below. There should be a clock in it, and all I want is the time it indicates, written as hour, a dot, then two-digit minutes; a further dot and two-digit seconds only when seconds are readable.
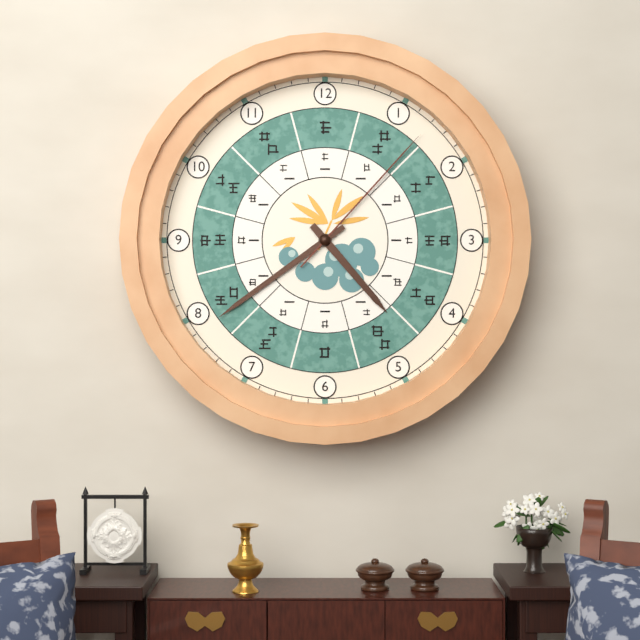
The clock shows 4.39.07
